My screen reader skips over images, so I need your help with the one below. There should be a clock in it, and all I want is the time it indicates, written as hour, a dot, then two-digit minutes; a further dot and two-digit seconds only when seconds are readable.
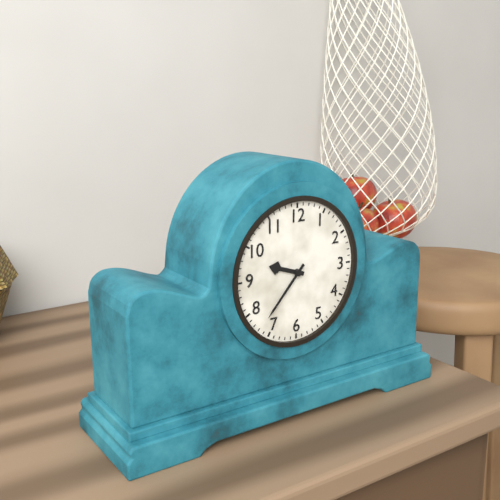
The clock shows 9.37
